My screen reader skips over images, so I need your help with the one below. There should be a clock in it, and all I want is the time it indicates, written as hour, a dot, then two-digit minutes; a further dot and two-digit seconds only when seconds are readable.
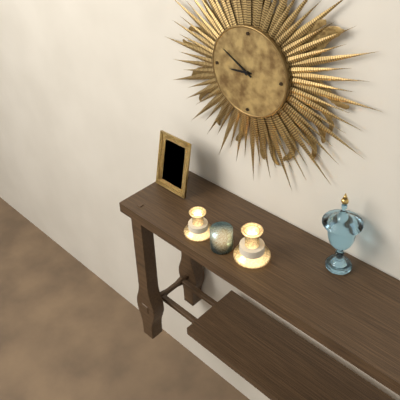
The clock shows 8.50
